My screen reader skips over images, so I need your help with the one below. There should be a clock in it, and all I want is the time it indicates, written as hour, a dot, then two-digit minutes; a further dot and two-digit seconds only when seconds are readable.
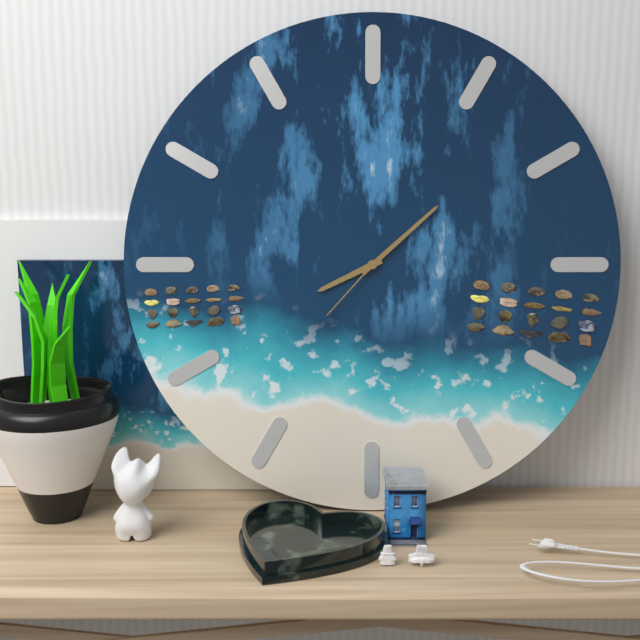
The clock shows 8.08.37
